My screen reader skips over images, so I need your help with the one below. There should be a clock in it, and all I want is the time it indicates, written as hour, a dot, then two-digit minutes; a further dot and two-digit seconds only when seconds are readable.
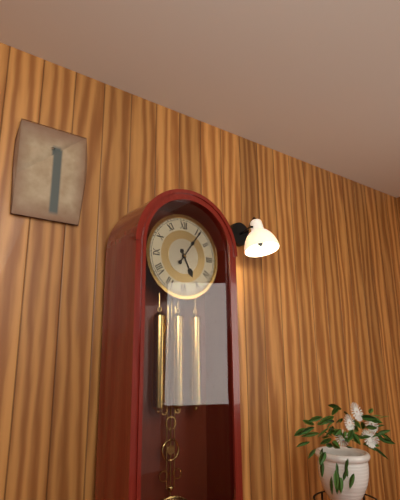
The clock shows 5.06
